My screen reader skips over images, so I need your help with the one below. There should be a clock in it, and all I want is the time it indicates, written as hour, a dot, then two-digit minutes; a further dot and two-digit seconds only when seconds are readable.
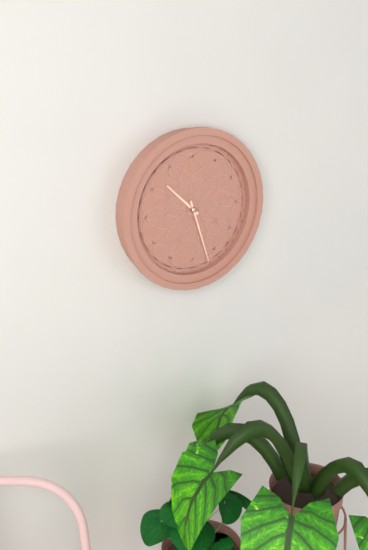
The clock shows 10.27
